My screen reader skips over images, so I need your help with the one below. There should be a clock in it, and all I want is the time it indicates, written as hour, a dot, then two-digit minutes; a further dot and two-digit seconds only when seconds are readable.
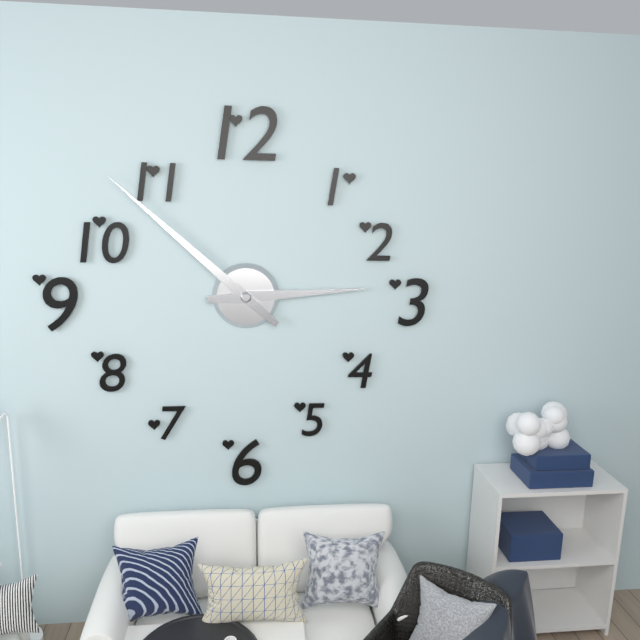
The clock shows 2.52
